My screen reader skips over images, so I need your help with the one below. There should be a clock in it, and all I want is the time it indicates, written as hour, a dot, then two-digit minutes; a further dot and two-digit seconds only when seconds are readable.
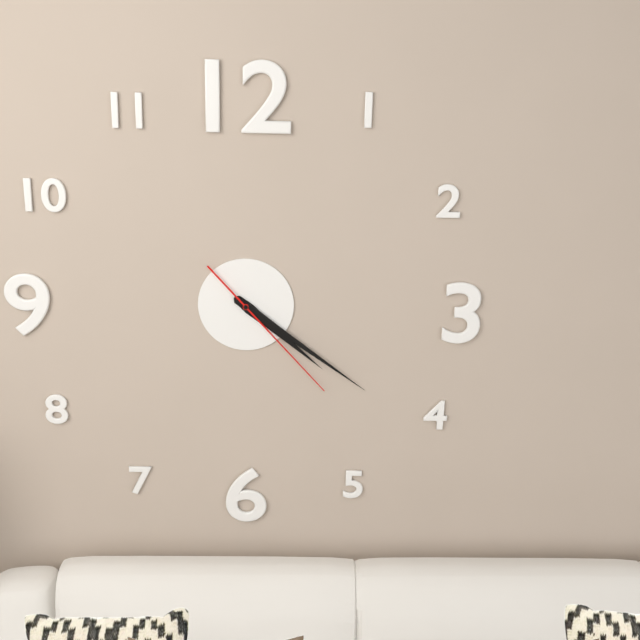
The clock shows 4.21.23
